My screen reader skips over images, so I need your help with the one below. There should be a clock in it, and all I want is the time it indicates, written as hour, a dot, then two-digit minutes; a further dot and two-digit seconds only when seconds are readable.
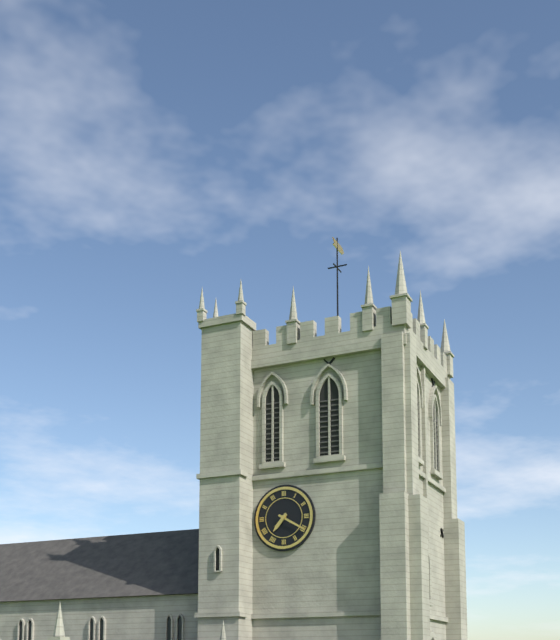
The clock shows 7.20
